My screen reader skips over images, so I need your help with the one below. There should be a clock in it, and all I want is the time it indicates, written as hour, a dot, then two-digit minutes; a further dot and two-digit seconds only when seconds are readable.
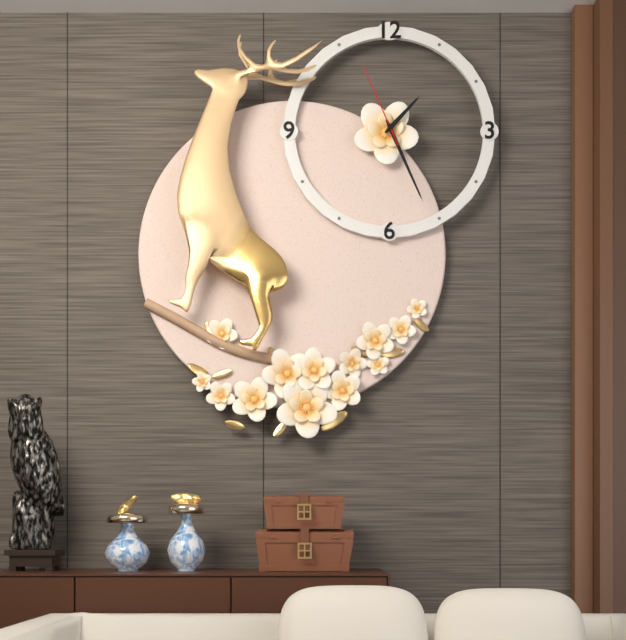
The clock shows 1.26.56
